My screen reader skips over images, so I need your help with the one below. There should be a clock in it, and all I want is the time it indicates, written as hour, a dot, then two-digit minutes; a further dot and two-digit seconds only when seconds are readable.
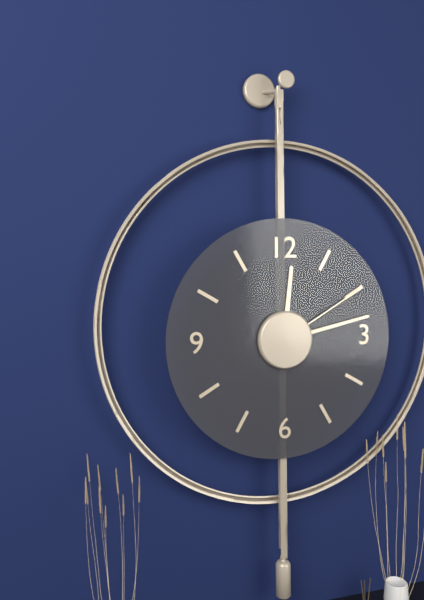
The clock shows 12.13.10
